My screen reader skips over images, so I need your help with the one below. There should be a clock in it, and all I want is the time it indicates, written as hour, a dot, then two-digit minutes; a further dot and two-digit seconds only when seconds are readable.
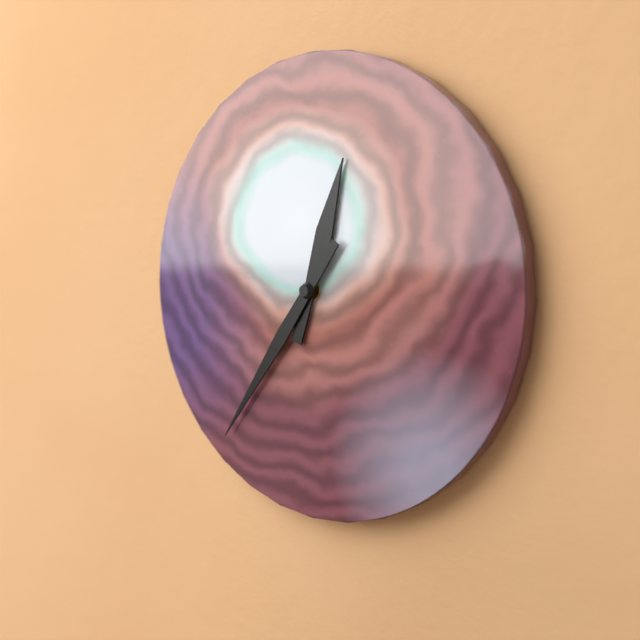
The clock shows 12.36
